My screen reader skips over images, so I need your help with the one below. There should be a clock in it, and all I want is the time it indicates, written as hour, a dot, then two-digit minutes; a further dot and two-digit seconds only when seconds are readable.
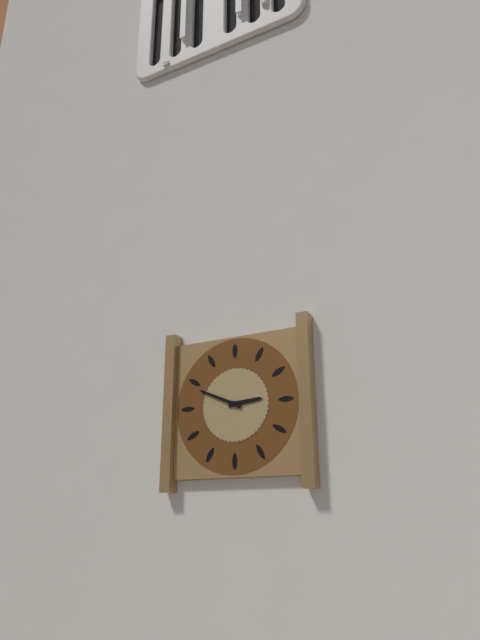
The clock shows 2.49
